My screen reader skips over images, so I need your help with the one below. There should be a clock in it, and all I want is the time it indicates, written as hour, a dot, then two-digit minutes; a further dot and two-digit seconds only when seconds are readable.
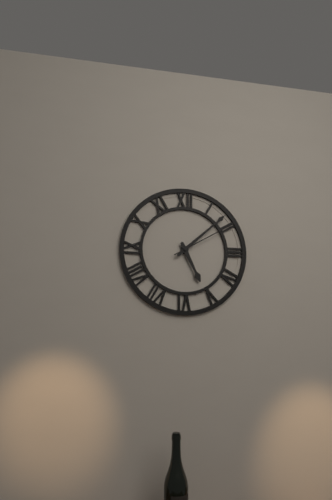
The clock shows 5.08.10
